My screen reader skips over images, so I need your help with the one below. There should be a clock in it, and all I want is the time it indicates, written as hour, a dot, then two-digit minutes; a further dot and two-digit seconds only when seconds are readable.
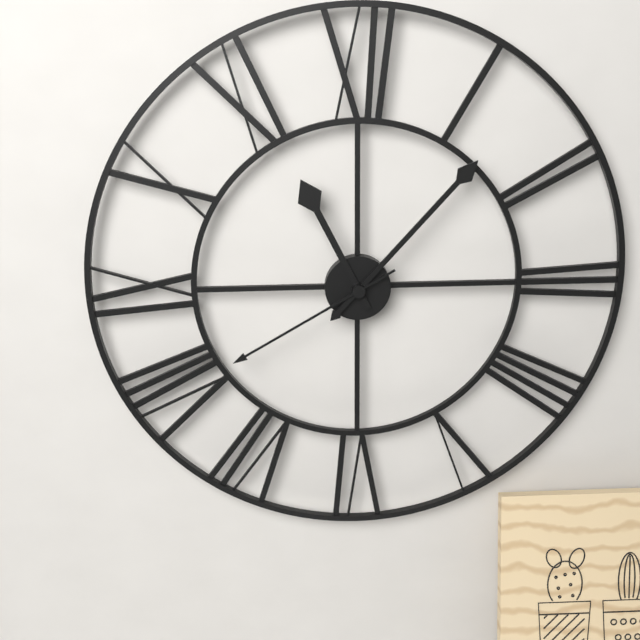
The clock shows 11.07.40
